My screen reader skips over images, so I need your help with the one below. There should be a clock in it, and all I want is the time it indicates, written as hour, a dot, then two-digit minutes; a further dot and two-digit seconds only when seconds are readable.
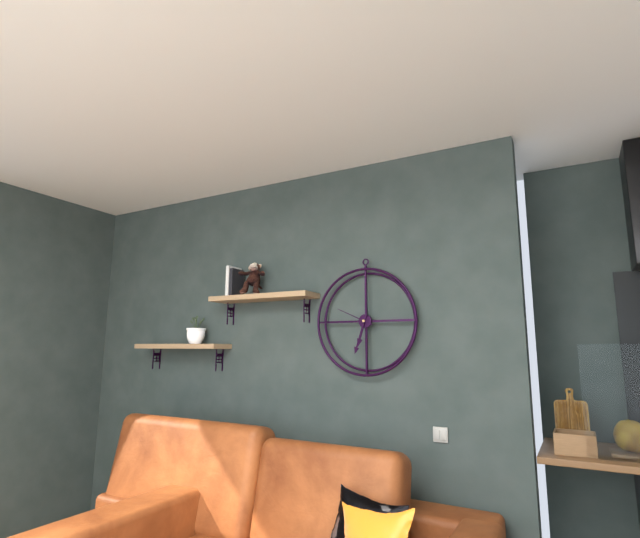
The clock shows 6.33
